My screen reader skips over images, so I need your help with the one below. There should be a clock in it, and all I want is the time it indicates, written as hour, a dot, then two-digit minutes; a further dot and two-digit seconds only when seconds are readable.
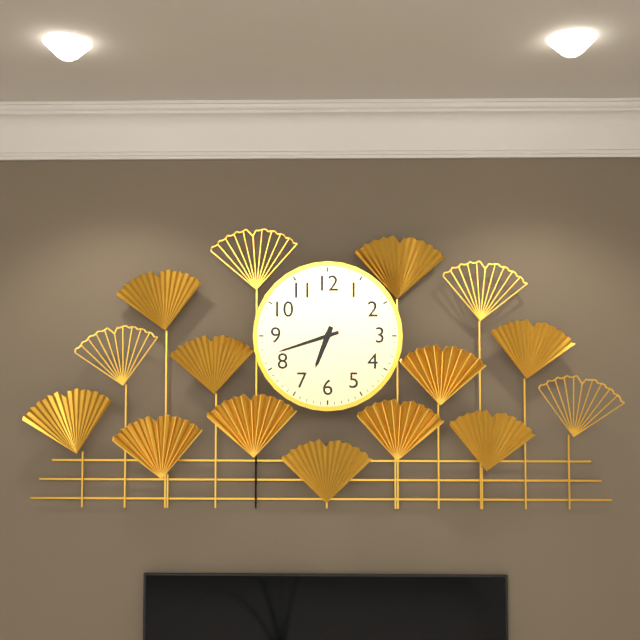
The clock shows 6.42
